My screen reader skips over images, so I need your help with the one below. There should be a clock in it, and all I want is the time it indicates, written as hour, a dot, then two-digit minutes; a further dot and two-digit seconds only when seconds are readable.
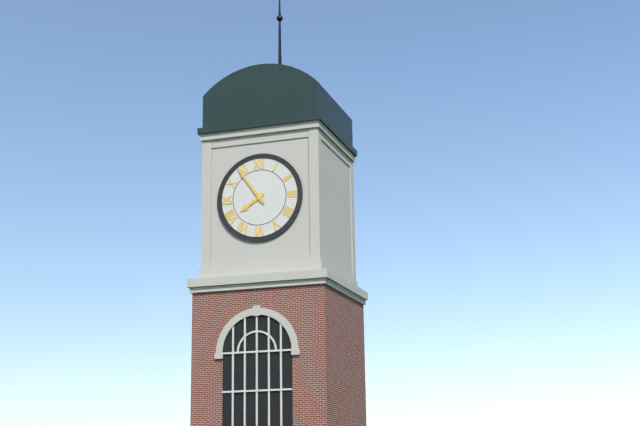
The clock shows 7.54
